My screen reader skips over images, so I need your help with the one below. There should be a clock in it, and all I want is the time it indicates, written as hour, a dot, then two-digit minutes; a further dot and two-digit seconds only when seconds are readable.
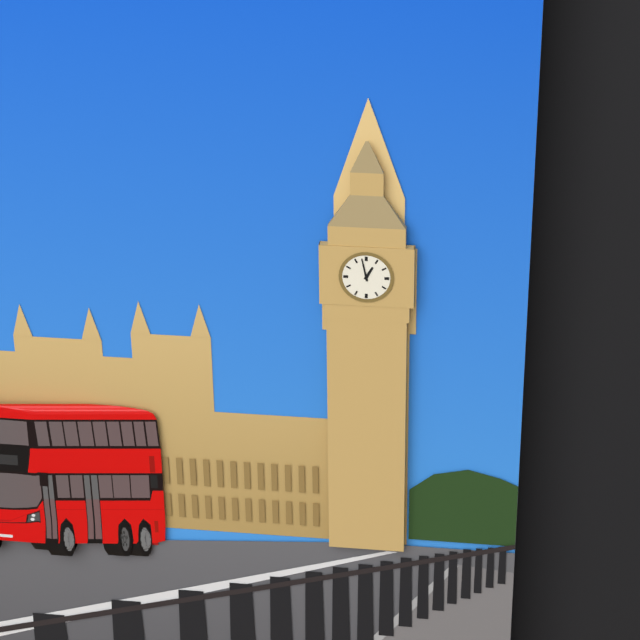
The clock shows 12.58
